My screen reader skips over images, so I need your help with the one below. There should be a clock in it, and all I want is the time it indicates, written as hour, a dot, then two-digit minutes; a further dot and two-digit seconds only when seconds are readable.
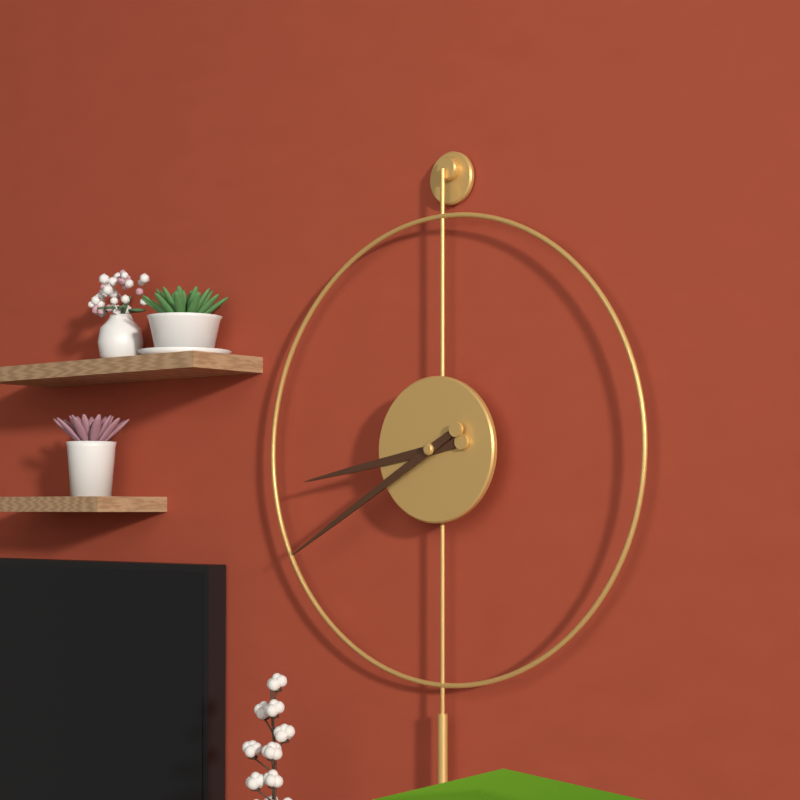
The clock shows 8.40
